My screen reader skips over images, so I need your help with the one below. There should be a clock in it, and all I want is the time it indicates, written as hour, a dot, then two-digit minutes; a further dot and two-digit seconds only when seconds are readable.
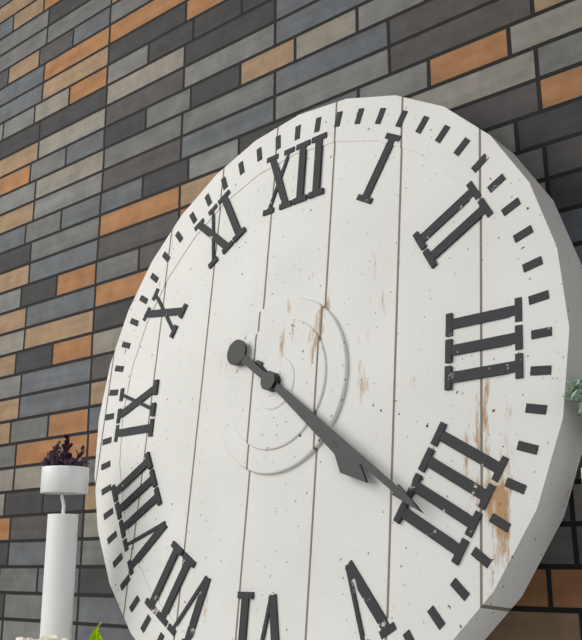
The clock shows 4.21
